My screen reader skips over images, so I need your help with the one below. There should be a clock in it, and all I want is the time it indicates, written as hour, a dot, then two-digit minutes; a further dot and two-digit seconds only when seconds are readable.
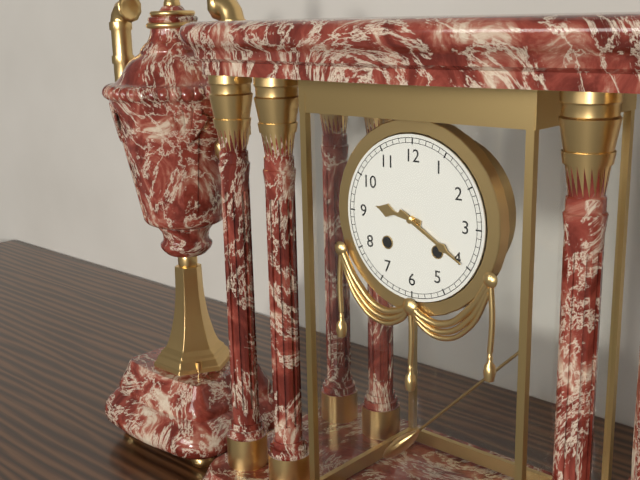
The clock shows 9.20
